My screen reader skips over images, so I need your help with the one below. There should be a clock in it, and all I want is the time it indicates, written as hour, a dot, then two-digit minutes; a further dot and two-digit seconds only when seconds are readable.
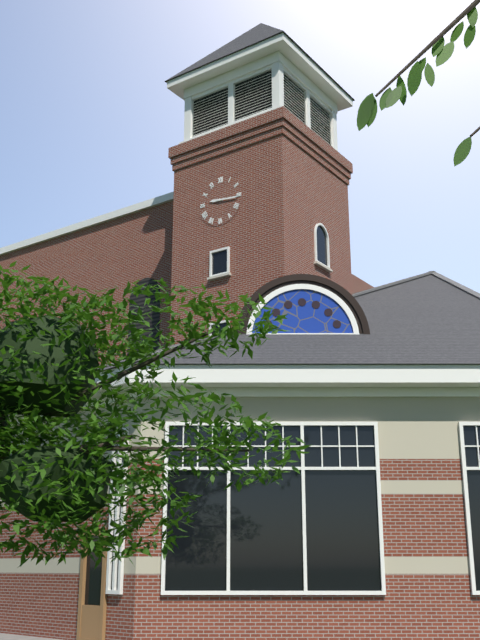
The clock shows 9.16
